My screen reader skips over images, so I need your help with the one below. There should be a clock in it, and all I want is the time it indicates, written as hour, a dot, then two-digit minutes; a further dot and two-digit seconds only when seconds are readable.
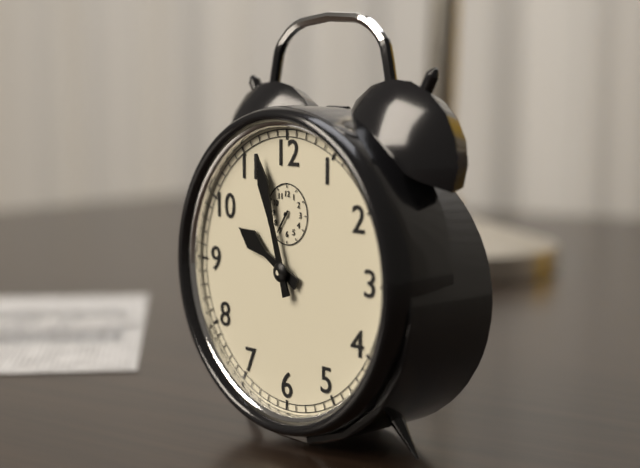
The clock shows 9.57
